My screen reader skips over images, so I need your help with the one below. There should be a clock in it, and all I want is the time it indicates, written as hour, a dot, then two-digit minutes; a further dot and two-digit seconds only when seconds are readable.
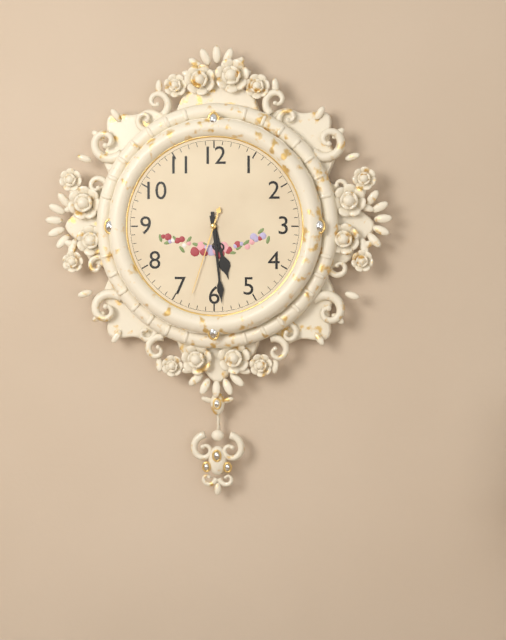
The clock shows 5.29.33
